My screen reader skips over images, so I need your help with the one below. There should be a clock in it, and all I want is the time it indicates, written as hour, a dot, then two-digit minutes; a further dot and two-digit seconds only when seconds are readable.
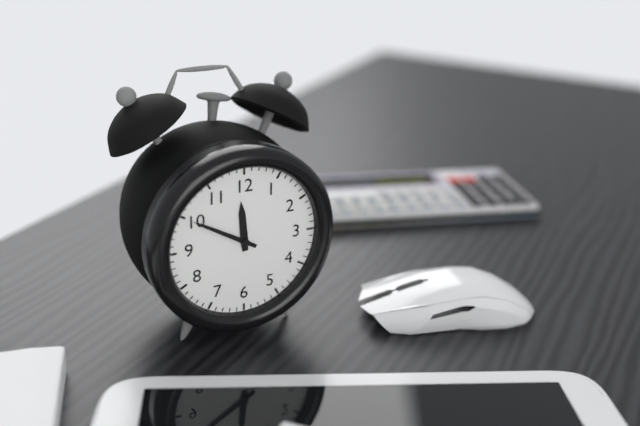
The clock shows 11.50
